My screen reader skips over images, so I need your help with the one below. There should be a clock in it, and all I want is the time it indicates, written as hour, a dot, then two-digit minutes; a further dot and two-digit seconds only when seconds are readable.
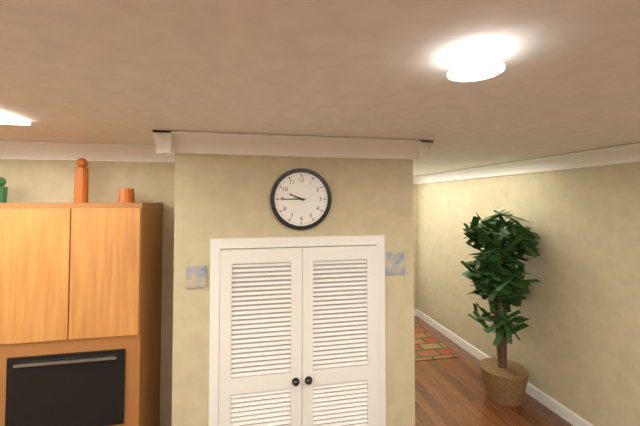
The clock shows 9.45
